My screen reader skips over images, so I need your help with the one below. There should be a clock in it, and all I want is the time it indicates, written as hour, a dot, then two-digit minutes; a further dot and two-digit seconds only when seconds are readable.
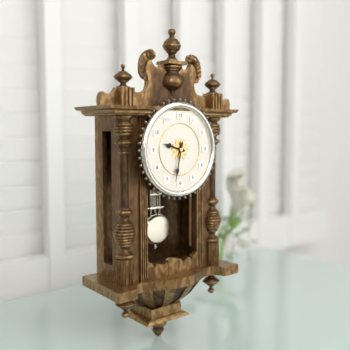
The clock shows 9.32
